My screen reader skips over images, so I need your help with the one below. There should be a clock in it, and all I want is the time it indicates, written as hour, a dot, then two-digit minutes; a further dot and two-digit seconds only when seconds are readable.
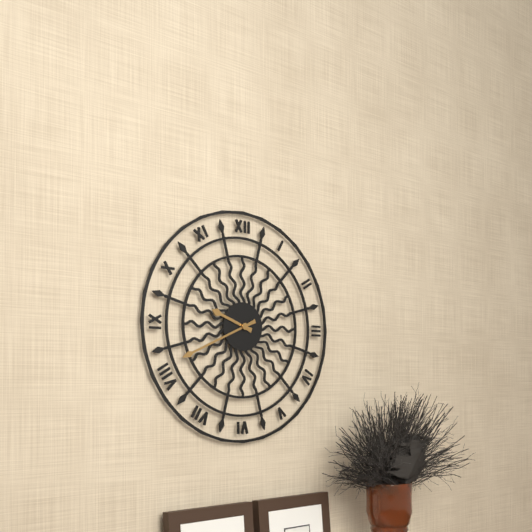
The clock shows 9.41
